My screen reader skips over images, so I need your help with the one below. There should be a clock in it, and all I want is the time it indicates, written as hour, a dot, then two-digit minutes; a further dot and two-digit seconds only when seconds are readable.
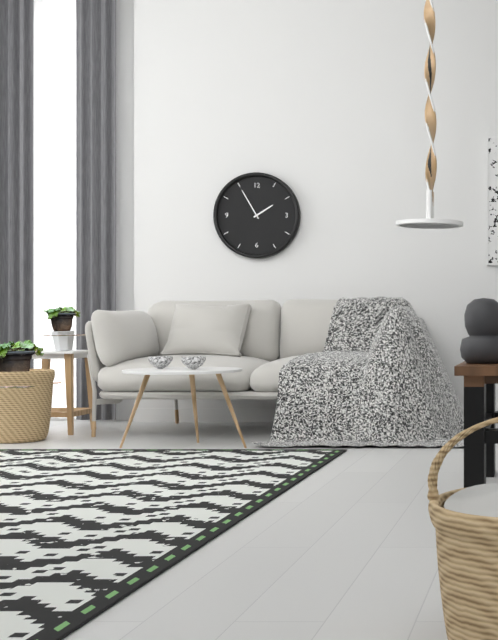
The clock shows 1.55
